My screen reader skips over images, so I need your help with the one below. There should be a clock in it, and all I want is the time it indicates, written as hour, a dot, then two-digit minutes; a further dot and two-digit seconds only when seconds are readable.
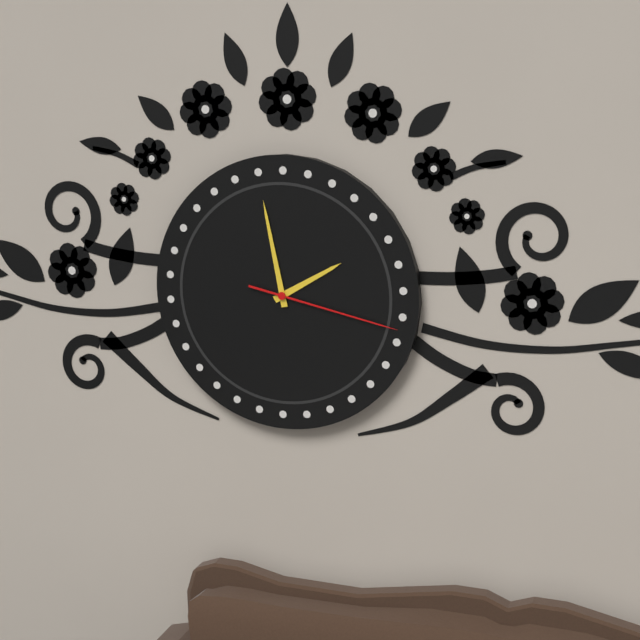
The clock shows 1.58.17
